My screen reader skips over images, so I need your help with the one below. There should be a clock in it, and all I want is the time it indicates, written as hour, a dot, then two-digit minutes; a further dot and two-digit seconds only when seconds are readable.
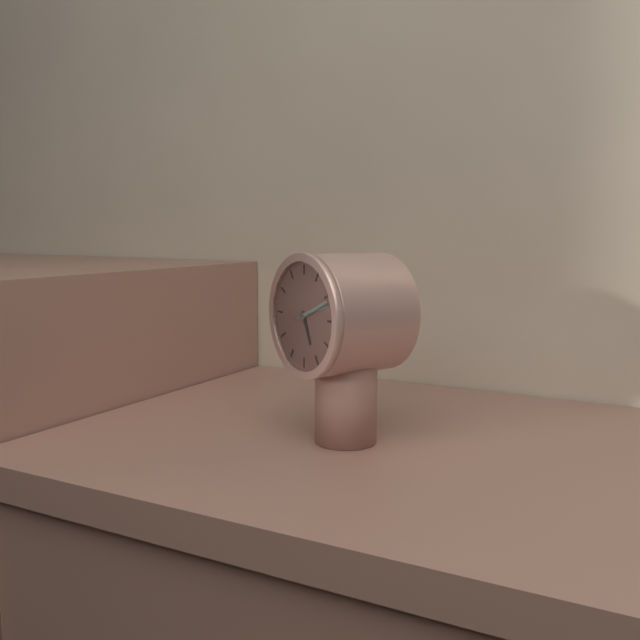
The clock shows 5.11
